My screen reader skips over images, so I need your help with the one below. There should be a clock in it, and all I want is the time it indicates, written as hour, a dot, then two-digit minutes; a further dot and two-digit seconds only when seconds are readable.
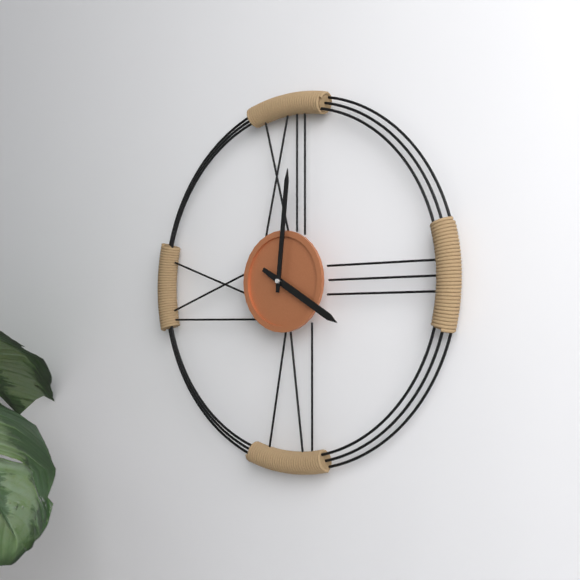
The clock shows 4.01
